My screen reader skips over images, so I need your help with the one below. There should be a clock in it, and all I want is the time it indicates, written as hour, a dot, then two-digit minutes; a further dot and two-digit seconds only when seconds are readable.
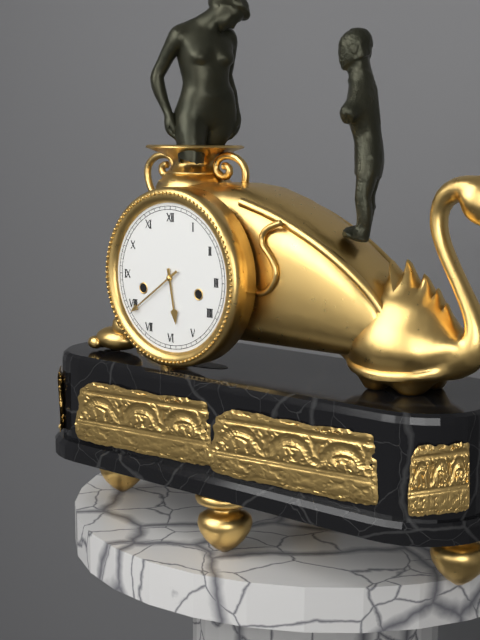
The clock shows 5.39
